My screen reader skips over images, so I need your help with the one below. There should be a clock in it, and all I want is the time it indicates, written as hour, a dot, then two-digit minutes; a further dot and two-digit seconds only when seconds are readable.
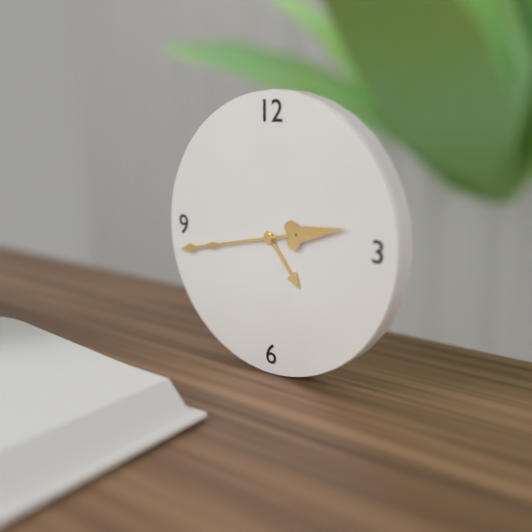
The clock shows 4.43
